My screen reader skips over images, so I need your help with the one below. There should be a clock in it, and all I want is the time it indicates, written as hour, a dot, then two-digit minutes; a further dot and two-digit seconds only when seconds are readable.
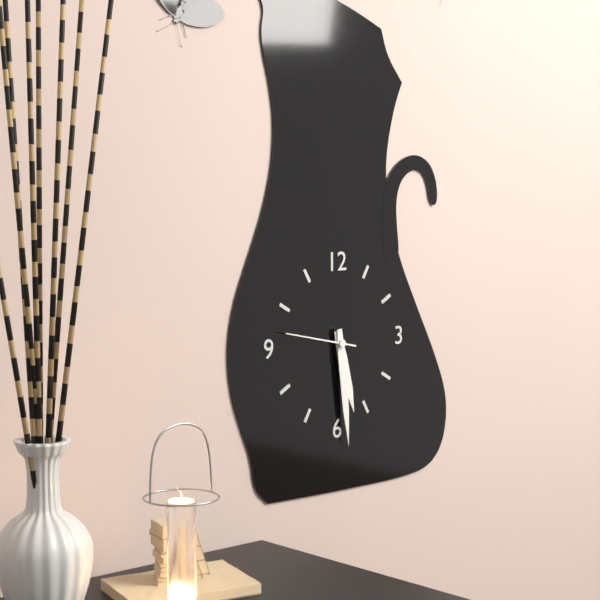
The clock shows 5.29.47
